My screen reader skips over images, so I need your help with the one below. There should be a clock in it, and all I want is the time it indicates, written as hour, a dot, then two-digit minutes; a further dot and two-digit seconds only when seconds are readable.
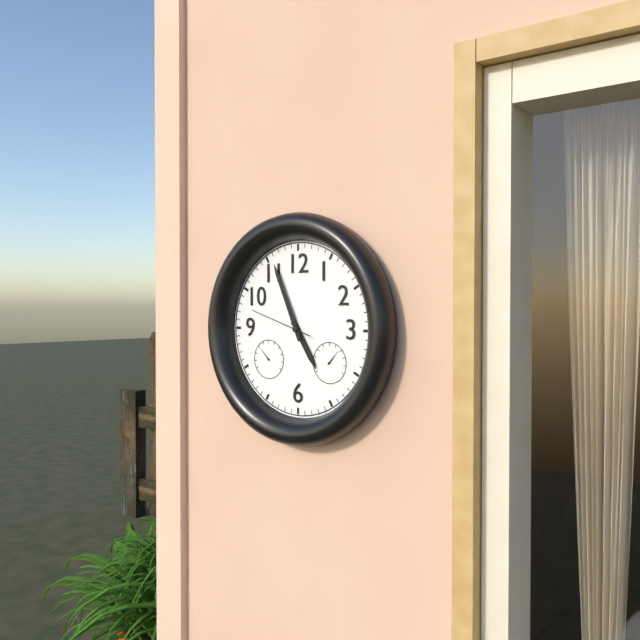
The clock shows 4.56.48
